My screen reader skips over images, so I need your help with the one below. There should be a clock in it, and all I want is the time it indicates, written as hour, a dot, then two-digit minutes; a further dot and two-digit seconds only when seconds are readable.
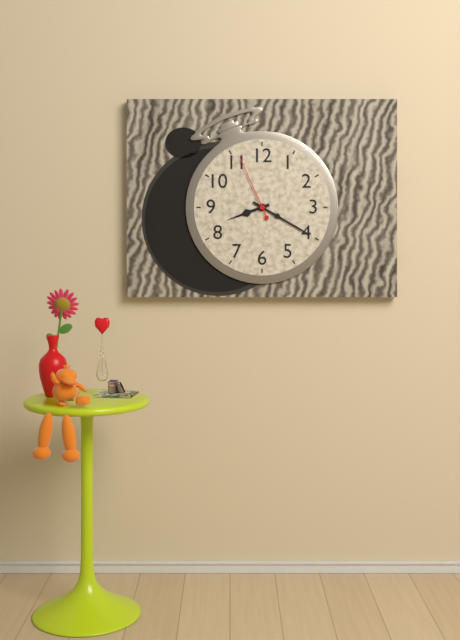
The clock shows 8.20.56
